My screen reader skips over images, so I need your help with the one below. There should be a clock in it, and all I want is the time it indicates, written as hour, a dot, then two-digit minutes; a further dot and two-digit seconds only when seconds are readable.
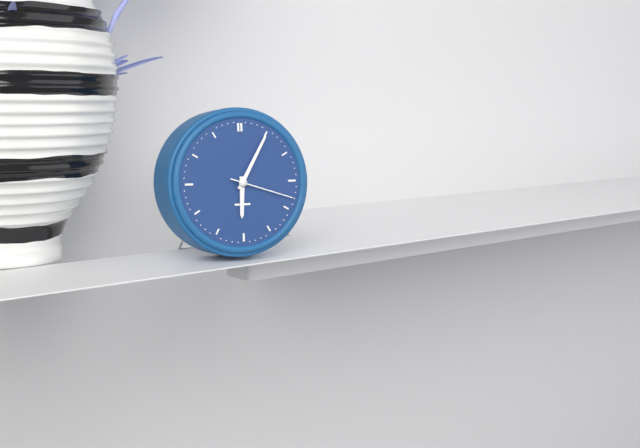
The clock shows 6.05.18
